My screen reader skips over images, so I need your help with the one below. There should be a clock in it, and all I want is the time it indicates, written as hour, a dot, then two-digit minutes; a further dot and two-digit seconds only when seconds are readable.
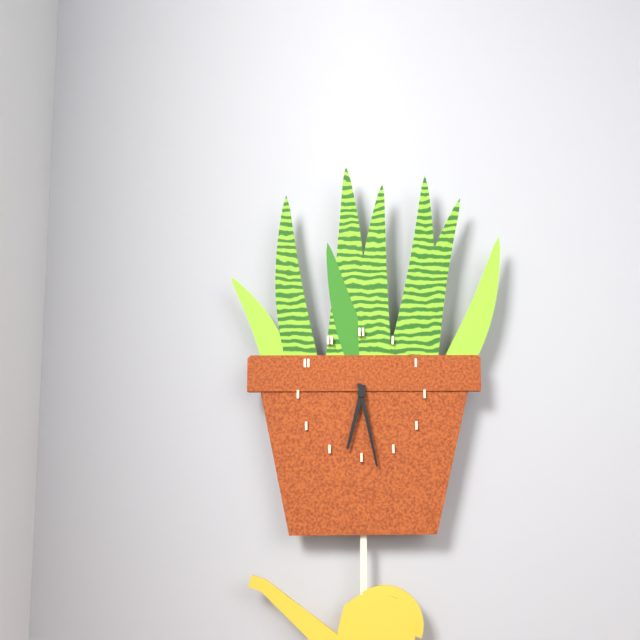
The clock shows 6.28
